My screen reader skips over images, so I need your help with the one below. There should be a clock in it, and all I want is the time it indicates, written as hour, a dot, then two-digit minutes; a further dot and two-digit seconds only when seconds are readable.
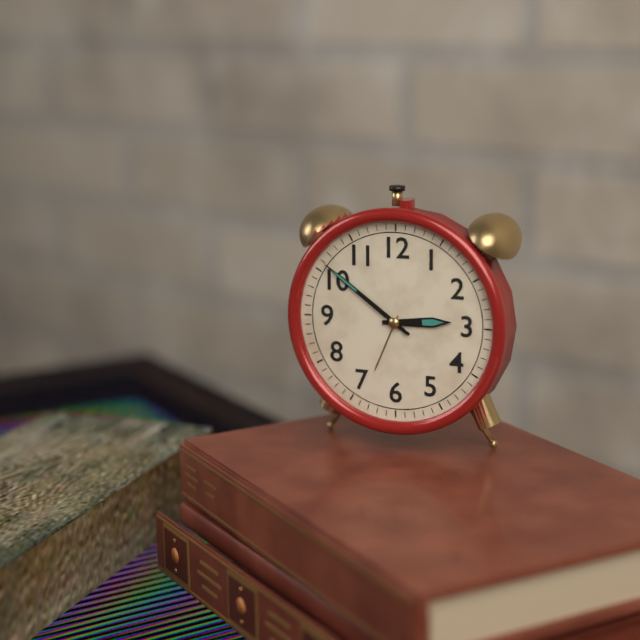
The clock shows 2.51
